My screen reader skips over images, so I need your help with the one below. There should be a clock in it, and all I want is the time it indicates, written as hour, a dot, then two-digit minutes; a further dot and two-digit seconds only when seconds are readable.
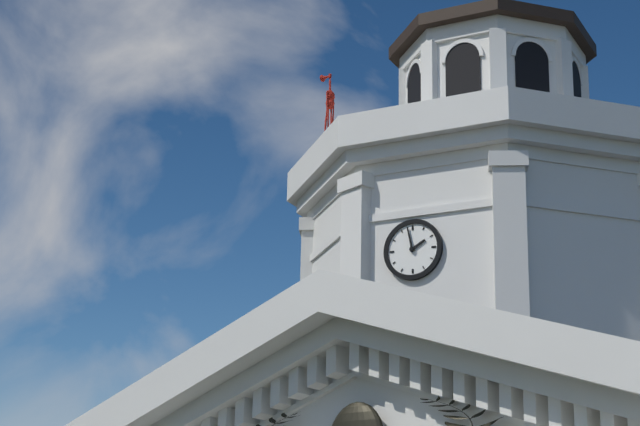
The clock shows 1.58
